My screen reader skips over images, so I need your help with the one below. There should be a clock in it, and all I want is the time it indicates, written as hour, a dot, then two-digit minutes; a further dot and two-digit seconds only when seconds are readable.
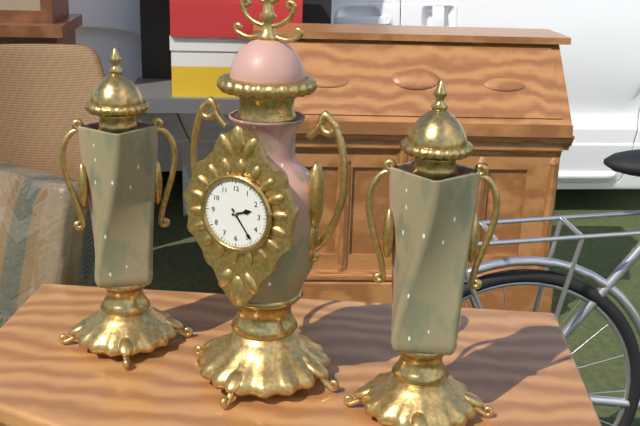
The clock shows 2.24
